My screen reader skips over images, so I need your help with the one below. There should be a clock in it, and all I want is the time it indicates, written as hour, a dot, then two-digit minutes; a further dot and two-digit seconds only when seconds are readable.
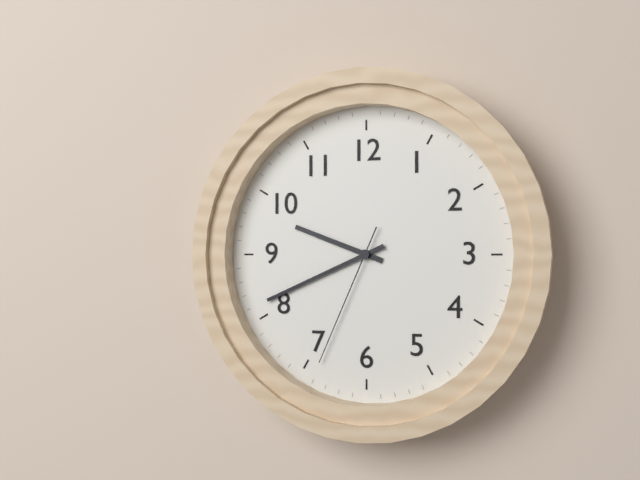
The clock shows 9.41.34
